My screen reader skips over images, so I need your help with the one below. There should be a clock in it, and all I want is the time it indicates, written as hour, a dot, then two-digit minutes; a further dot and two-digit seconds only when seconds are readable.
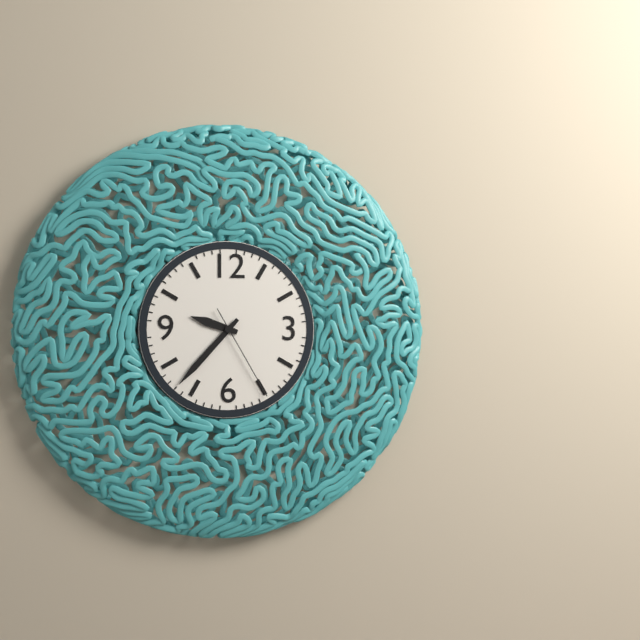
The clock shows 9.37.25
